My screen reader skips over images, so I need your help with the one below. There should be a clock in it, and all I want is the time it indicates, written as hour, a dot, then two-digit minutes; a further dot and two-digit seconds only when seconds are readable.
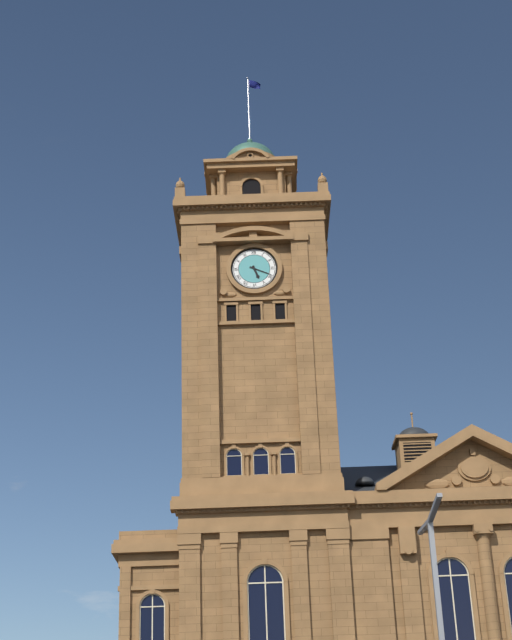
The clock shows 5.19
